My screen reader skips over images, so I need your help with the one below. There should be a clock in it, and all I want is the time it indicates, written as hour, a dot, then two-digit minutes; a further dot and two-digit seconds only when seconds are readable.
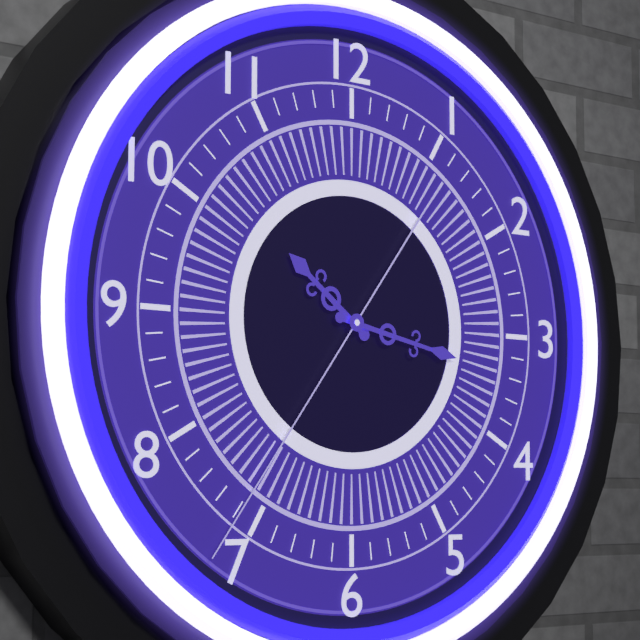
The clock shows 10.17.36
